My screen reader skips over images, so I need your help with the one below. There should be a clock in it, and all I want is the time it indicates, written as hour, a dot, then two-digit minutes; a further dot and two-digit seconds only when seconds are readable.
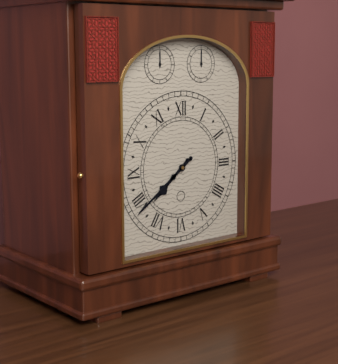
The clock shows 7.39
